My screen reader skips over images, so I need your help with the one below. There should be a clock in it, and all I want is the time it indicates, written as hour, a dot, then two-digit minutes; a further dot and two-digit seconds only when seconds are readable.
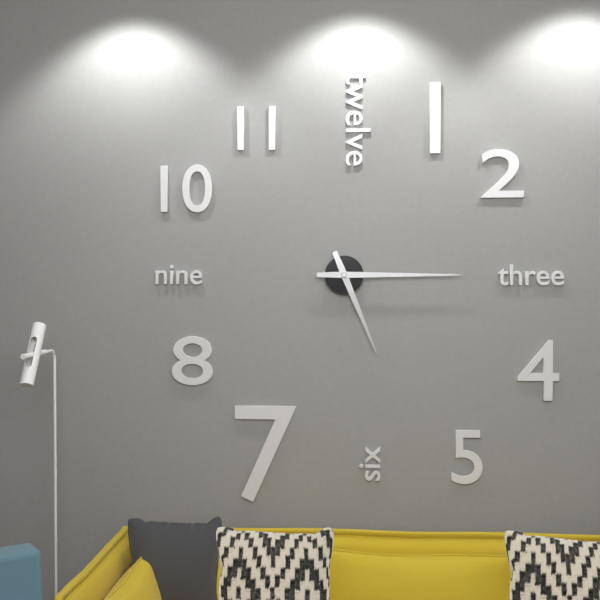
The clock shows 5.15
